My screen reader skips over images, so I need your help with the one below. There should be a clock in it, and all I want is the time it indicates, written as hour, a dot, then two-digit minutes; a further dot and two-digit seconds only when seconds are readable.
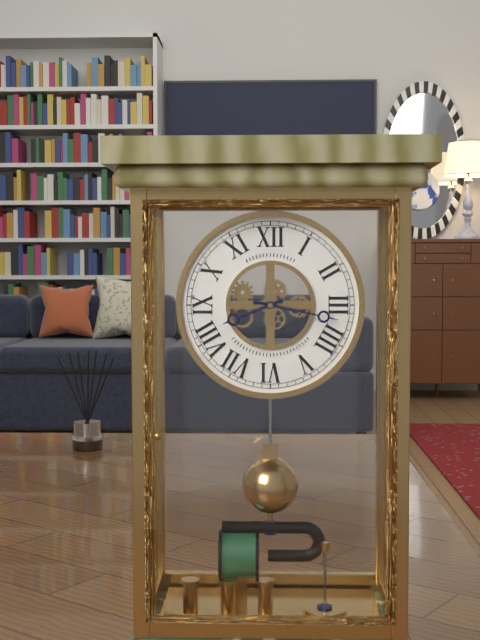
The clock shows 8.17
